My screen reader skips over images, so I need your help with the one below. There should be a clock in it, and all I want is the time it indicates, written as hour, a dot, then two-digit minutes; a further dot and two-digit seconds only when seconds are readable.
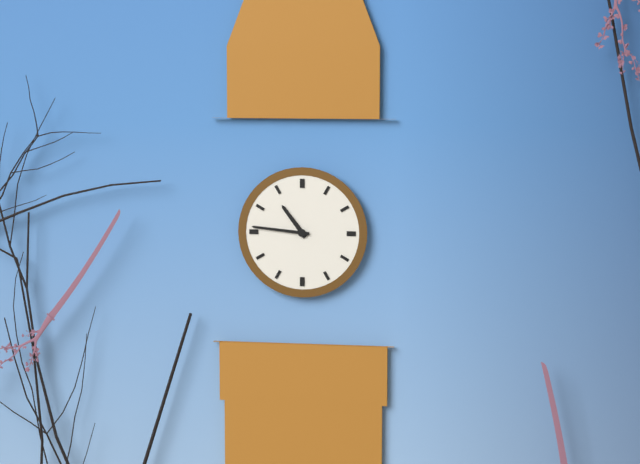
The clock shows 10.46
